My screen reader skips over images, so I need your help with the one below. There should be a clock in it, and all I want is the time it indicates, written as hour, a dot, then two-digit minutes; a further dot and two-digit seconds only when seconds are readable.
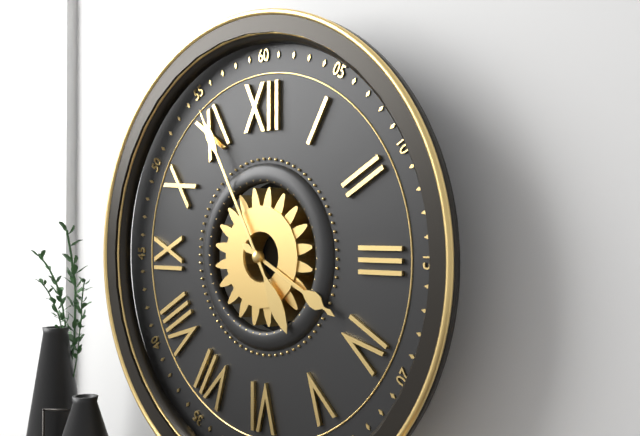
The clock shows 3.55
